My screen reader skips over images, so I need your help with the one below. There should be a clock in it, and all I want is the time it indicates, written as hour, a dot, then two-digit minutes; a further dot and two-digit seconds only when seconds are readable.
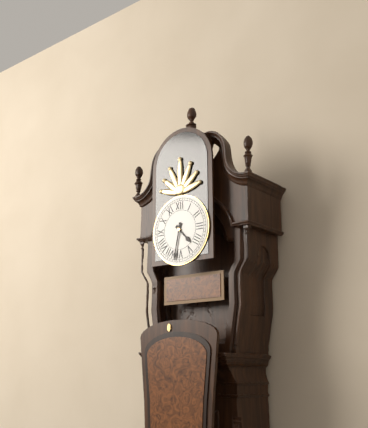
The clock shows 4.32
